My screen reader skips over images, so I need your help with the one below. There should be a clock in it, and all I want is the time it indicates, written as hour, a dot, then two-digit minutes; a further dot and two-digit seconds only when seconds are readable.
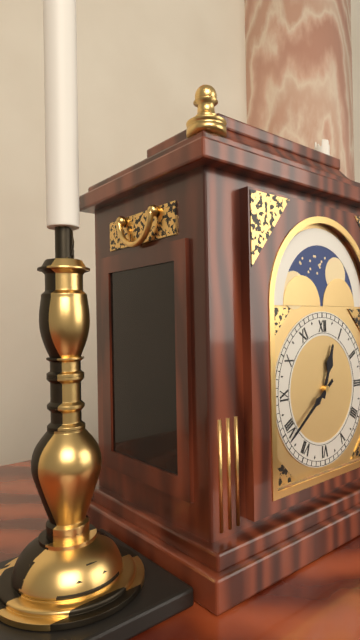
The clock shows 12.39
